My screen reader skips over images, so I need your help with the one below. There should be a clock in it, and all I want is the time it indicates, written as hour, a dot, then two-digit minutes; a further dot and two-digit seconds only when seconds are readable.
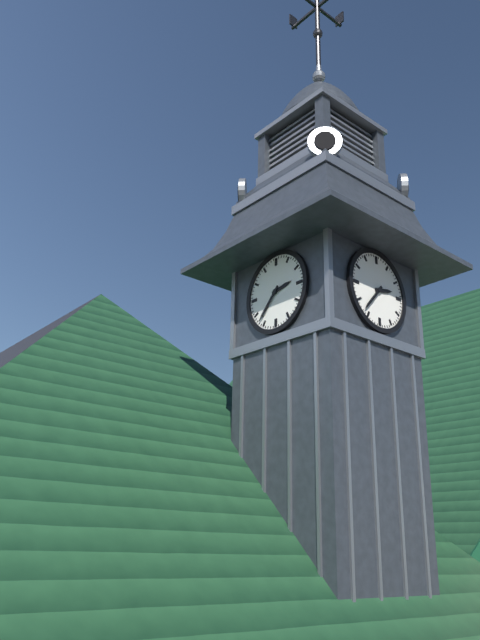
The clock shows 2.37
